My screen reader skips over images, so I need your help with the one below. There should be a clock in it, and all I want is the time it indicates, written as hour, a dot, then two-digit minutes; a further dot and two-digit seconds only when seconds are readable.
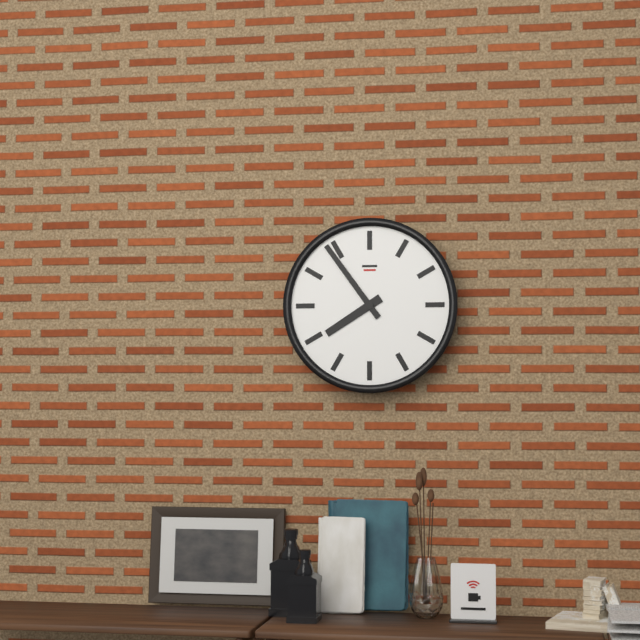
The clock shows 7.54
